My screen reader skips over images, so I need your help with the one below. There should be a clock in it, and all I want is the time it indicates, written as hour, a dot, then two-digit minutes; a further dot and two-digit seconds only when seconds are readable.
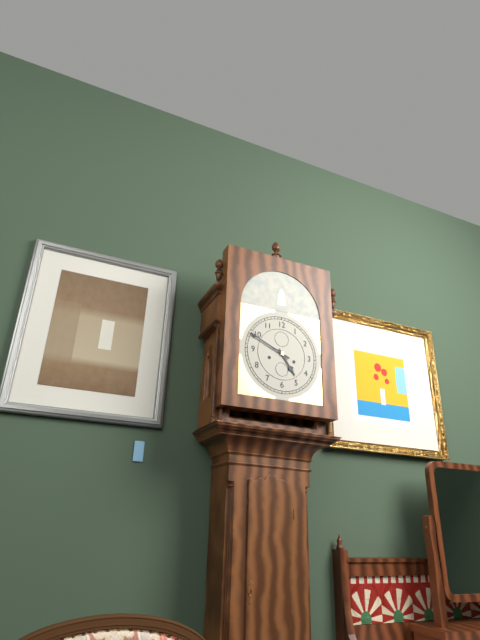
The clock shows 4.49
